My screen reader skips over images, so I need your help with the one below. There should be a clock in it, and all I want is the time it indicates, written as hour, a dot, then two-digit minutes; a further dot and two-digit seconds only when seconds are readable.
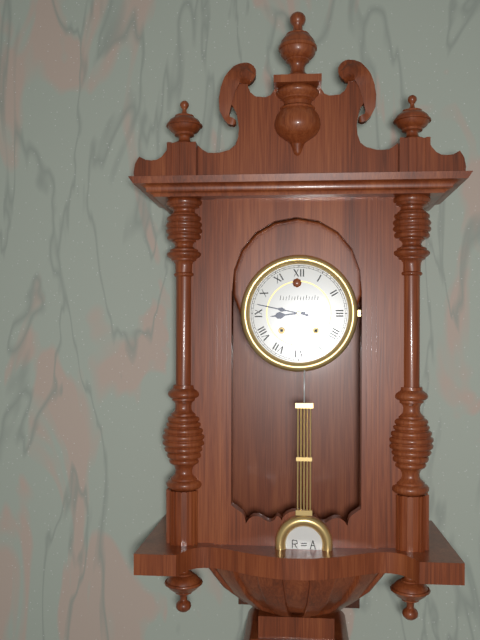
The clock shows 8.47
